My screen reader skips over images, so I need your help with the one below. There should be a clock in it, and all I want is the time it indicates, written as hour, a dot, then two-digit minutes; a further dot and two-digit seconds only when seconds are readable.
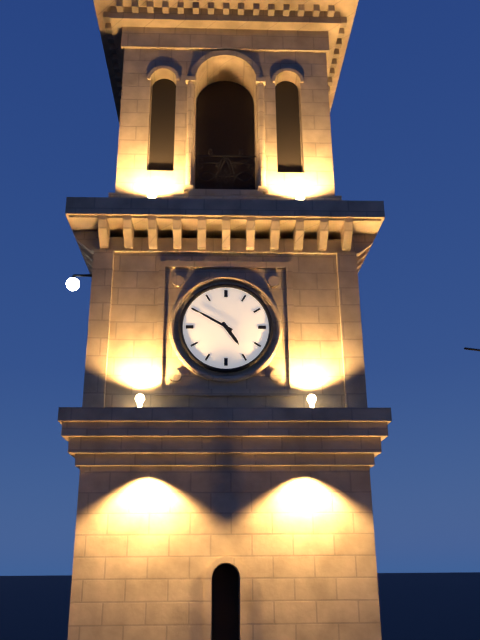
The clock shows 4.50
